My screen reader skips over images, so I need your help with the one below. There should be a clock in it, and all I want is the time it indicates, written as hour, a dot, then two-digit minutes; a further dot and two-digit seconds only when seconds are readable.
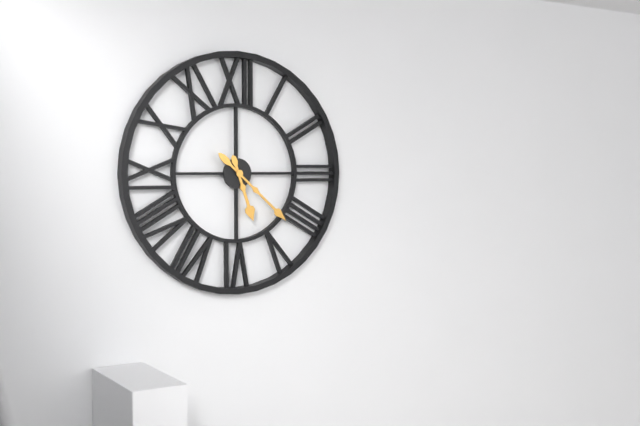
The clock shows 5.22
